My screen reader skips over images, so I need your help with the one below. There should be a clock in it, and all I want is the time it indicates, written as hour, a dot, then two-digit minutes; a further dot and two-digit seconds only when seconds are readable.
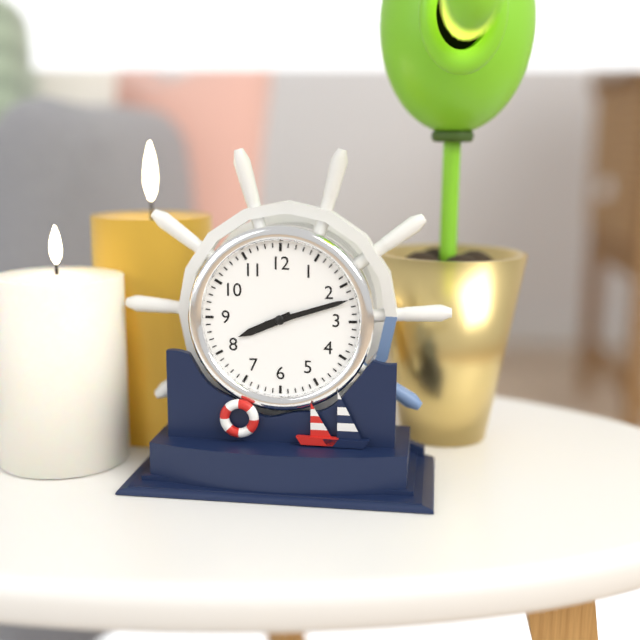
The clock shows 8.12
